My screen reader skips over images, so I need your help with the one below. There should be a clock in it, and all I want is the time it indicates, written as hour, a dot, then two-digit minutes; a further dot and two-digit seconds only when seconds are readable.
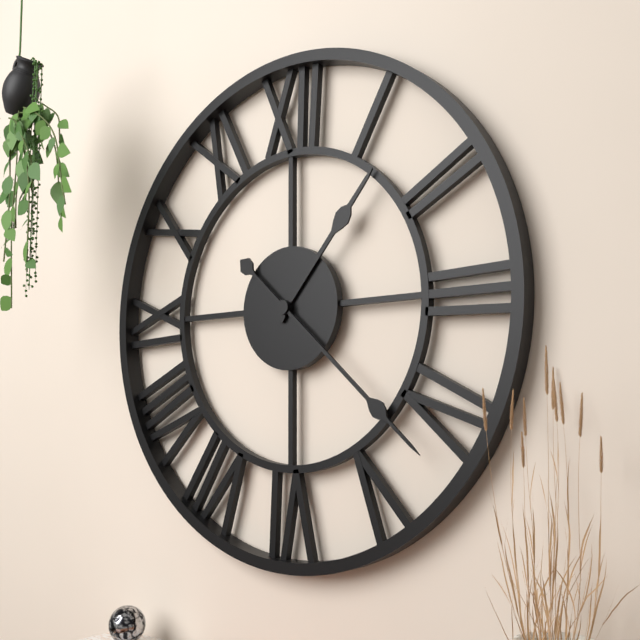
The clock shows 1.22
